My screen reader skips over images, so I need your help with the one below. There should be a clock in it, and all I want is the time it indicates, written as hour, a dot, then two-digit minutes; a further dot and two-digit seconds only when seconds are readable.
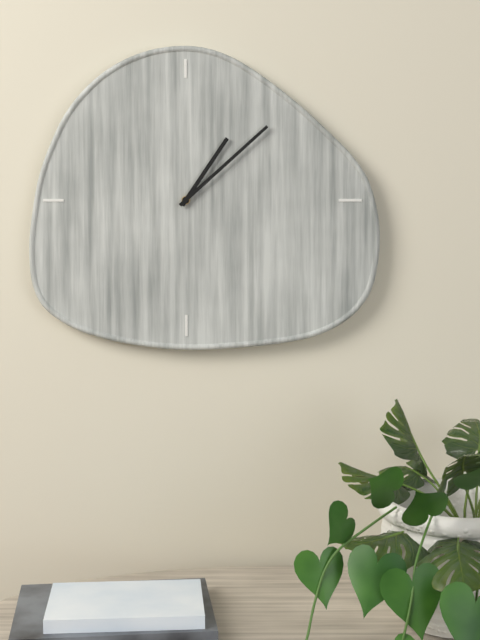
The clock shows 1.08
